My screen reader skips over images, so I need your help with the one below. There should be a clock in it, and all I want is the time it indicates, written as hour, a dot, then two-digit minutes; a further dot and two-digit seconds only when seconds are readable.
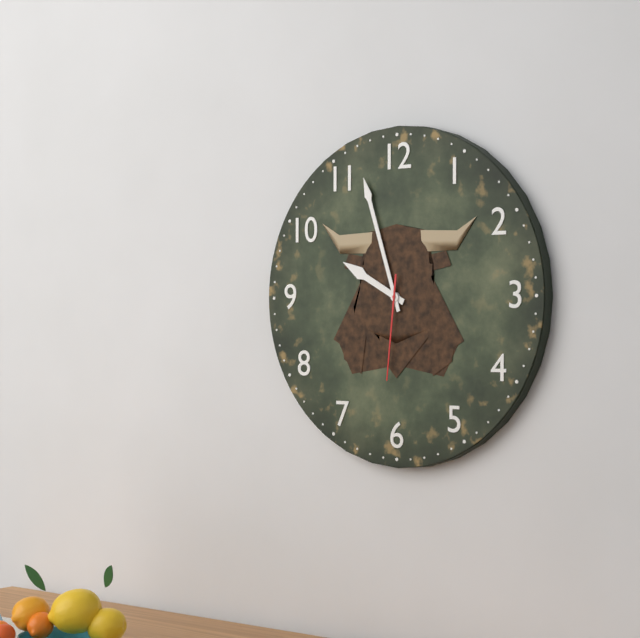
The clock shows 9.57.31
